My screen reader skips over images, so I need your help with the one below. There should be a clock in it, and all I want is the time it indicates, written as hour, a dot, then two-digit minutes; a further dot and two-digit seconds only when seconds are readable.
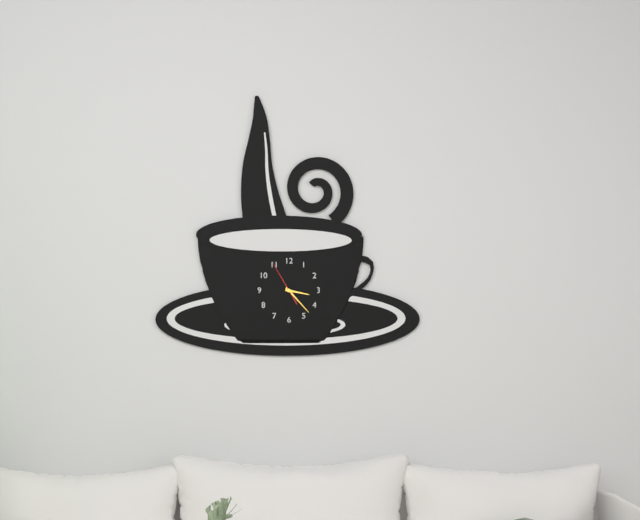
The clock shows 3.23
